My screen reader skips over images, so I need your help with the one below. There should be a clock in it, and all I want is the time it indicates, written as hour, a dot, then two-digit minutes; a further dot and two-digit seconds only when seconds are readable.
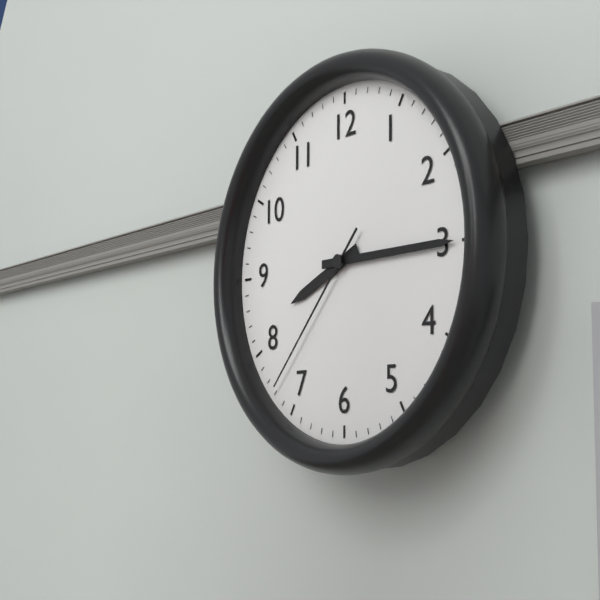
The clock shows 8.15.37
